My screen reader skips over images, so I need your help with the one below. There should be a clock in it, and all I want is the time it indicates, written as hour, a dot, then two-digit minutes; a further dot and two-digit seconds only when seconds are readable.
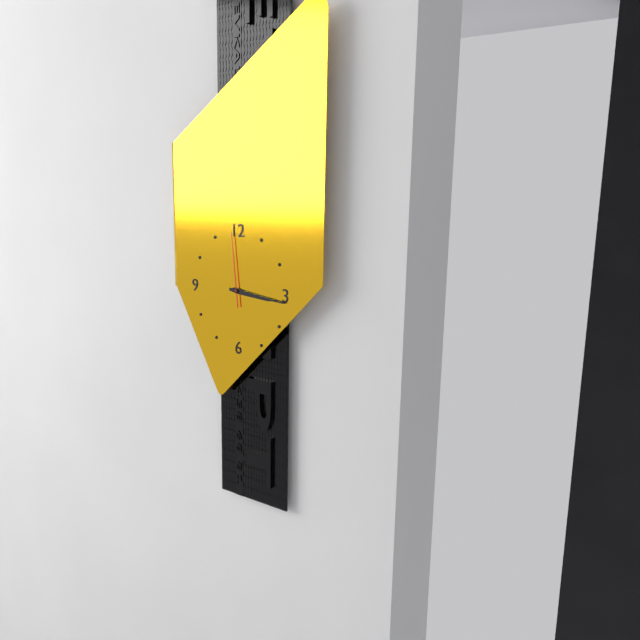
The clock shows 3.16.59
